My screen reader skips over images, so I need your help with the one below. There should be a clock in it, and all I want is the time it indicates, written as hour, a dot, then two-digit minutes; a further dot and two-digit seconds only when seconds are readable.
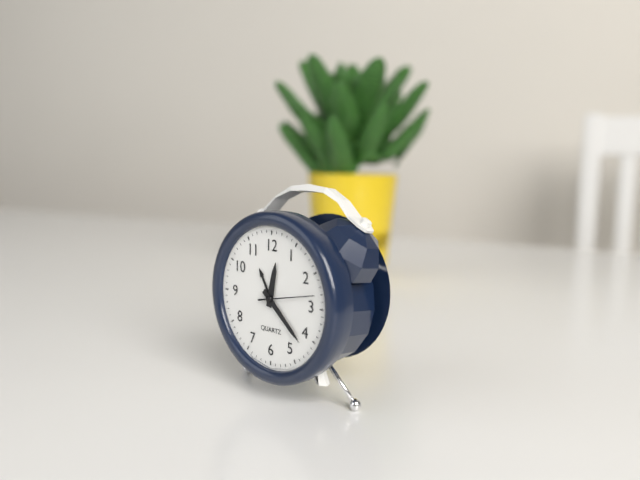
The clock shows 12.22.13
